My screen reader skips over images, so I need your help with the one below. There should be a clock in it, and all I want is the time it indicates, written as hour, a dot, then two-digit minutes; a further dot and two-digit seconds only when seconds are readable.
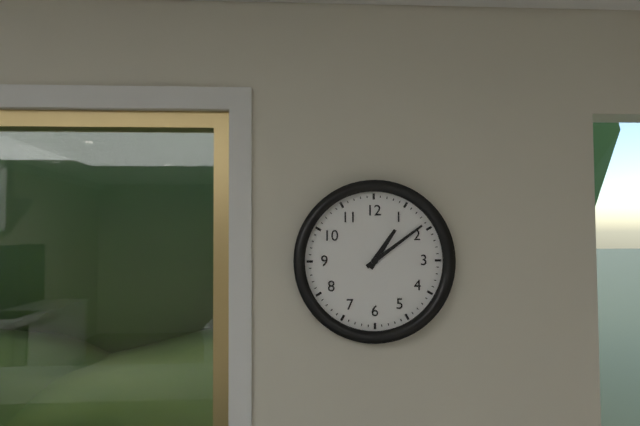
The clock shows 1.09
